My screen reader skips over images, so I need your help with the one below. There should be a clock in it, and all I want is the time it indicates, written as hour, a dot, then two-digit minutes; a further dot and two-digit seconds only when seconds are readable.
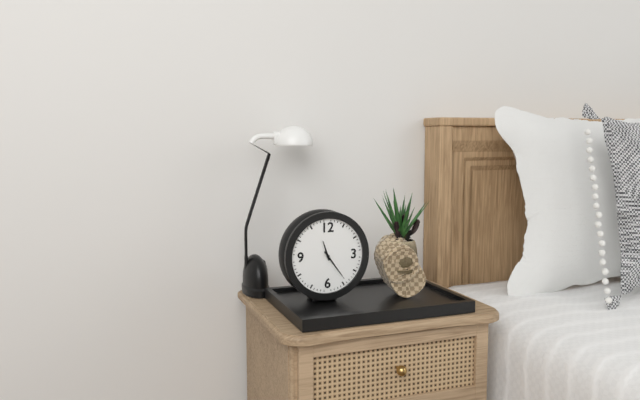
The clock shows 11.24
